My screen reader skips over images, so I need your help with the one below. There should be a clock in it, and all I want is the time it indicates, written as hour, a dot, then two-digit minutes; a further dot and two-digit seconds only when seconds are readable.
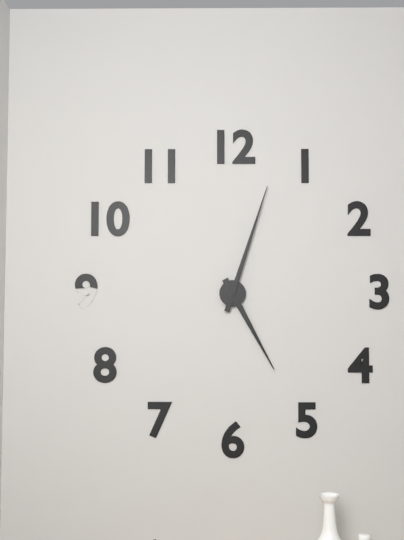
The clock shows 5.03
